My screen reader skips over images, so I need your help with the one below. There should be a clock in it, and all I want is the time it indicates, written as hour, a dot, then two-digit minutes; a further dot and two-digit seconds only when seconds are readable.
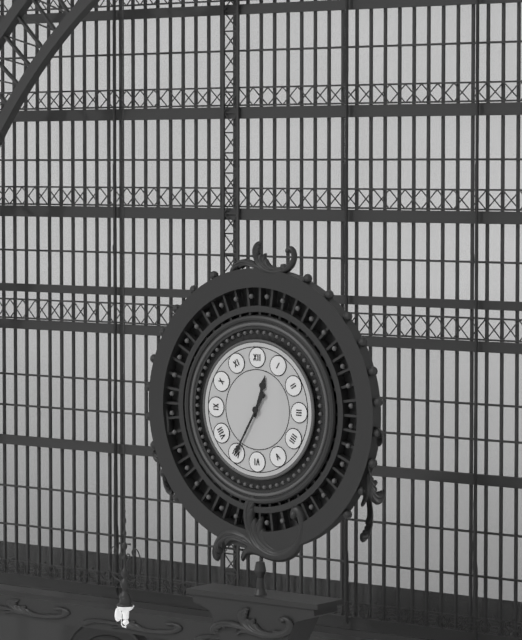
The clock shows 12.35
